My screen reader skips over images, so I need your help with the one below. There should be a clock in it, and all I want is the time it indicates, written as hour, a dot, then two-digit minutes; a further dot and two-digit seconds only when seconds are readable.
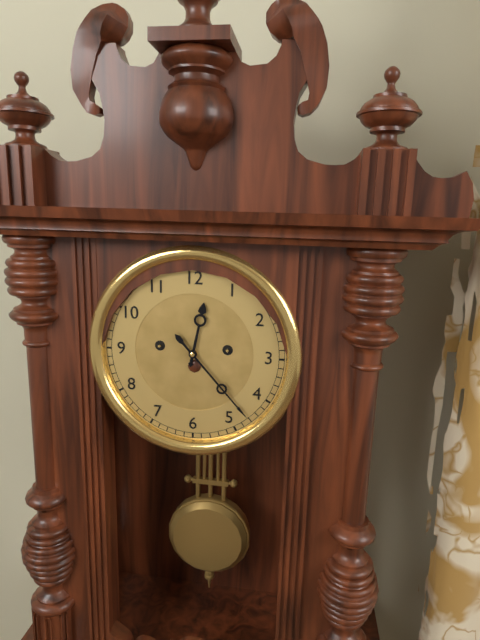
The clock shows 12.23
